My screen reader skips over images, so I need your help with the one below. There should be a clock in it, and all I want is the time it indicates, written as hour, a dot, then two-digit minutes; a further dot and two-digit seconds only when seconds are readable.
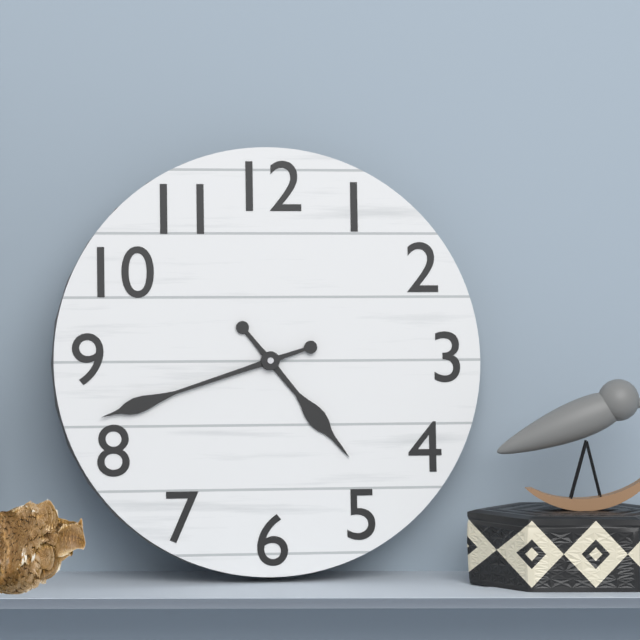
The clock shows 4.42
